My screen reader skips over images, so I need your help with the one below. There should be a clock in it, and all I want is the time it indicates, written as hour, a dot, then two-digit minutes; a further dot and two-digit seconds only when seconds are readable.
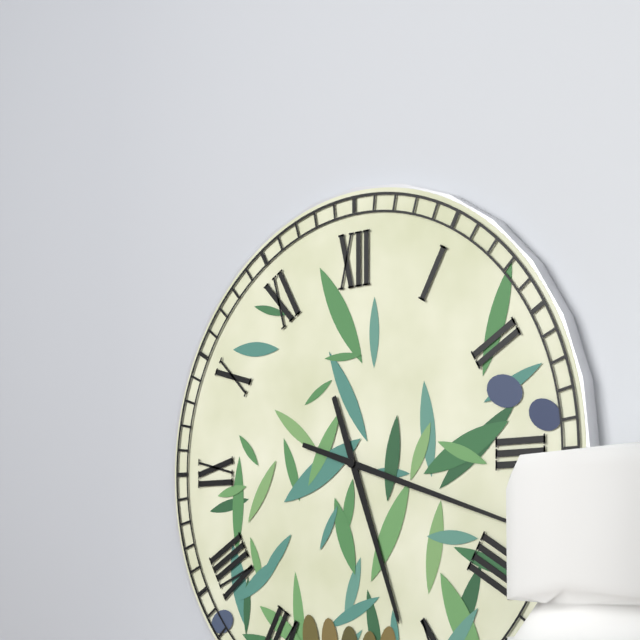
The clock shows 5.18
